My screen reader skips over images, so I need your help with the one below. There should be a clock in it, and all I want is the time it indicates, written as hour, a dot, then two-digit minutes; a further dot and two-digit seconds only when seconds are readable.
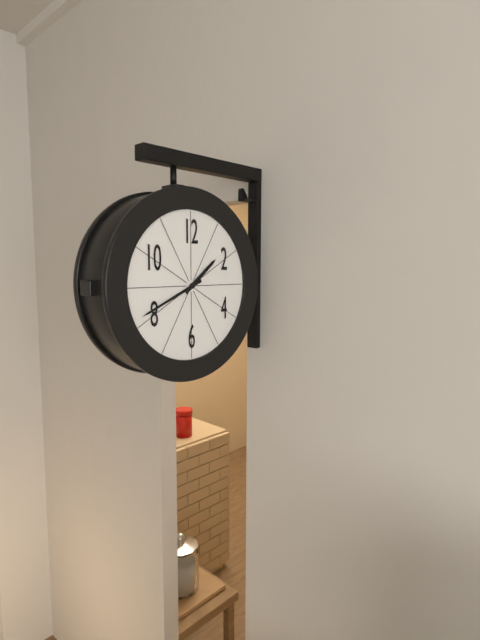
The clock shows 1.41
